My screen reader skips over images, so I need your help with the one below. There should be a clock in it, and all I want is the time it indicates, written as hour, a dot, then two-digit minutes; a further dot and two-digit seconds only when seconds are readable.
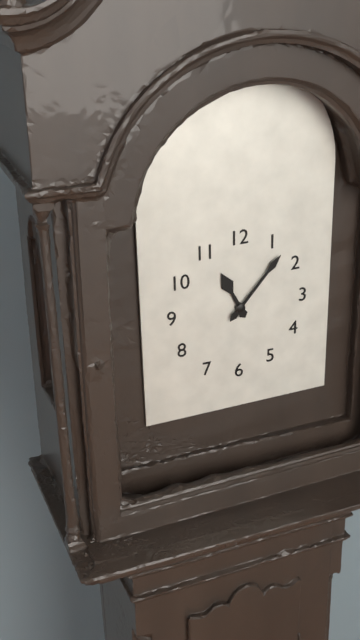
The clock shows 11.07
